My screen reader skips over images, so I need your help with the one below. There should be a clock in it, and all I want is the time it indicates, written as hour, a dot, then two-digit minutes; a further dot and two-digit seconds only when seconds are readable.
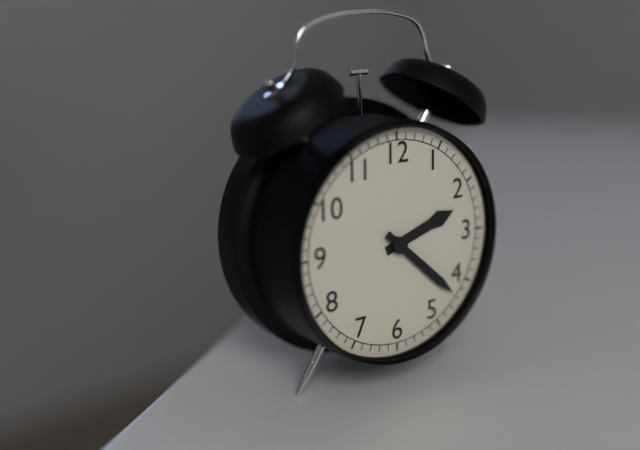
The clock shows 2.22
